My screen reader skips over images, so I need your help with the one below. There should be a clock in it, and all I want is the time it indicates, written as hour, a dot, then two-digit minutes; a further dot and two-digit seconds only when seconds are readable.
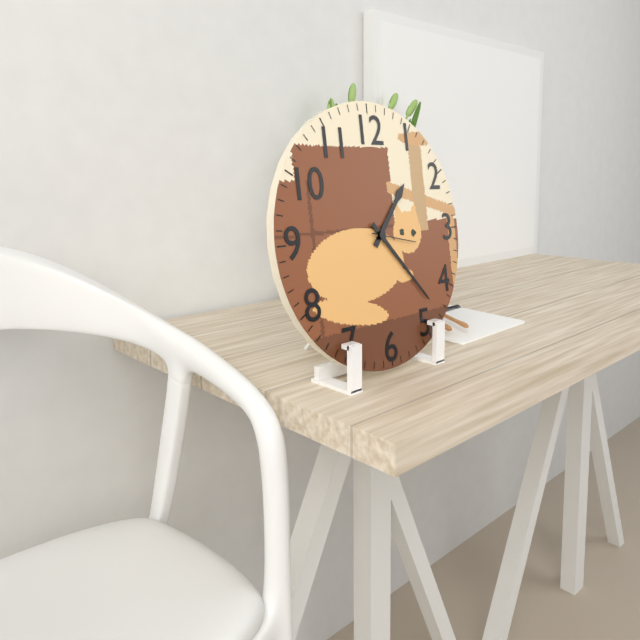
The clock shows 1.23.17
